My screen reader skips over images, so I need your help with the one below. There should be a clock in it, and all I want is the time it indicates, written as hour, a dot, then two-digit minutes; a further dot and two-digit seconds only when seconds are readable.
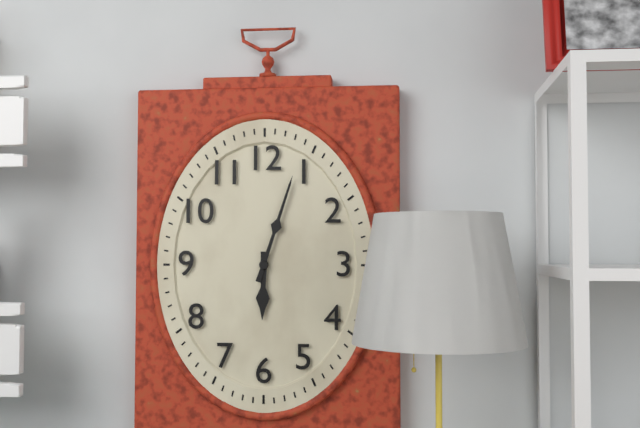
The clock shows 6.03
